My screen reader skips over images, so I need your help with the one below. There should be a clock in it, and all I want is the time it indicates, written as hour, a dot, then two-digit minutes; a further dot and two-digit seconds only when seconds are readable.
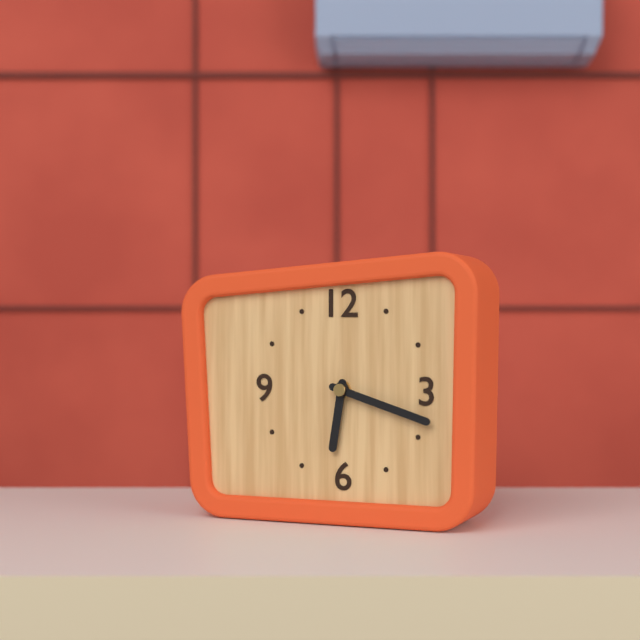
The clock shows 6.18
